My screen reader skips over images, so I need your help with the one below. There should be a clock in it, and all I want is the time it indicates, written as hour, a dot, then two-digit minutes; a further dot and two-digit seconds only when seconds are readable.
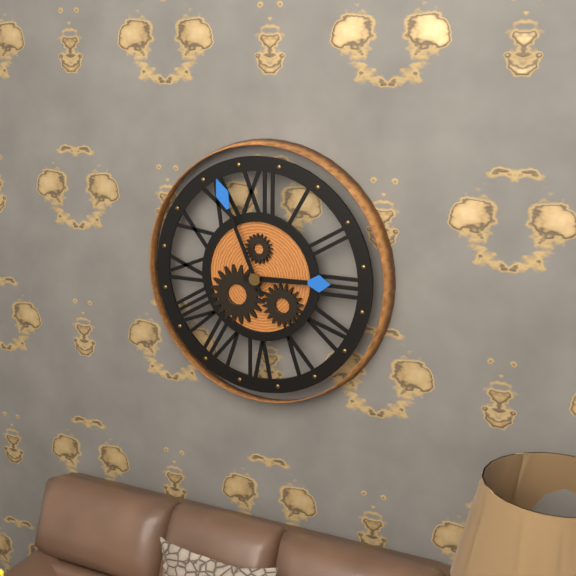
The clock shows 2.56
